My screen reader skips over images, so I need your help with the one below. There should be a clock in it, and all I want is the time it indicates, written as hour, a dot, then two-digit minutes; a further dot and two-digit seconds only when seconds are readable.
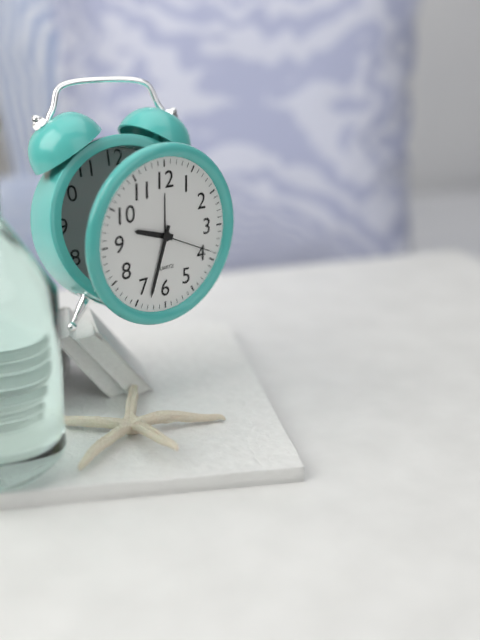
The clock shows 9.33.19
